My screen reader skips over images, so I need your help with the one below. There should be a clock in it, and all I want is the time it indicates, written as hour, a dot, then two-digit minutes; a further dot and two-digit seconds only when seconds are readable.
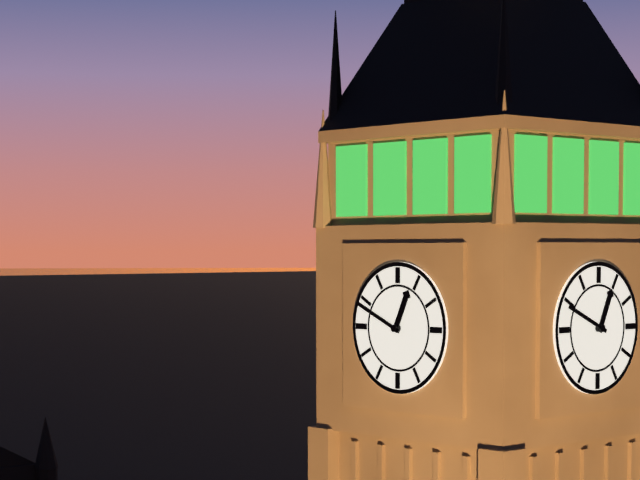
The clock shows 12.49
